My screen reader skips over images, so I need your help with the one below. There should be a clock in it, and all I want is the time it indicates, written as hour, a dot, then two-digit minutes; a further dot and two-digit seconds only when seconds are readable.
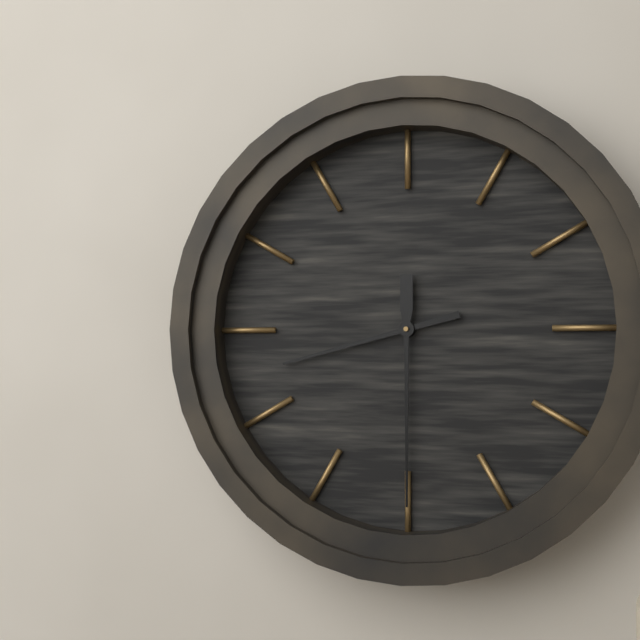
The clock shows 8.30
